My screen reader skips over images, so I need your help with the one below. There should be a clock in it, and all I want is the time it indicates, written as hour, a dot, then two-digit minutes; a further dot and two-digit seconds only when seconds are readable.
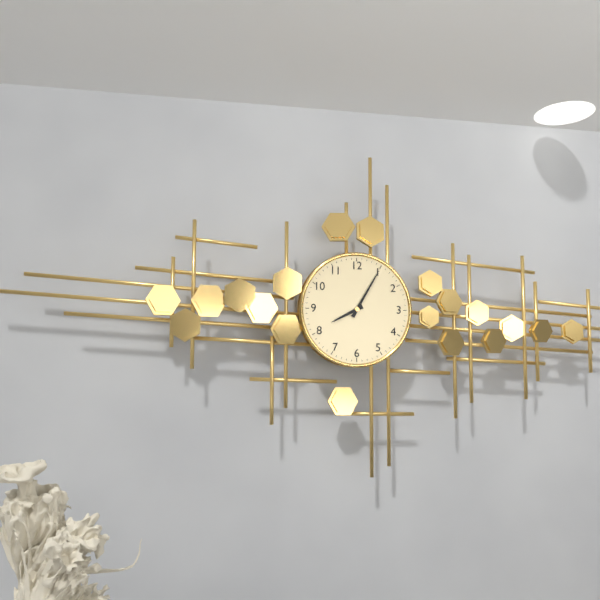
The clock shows 8.05
